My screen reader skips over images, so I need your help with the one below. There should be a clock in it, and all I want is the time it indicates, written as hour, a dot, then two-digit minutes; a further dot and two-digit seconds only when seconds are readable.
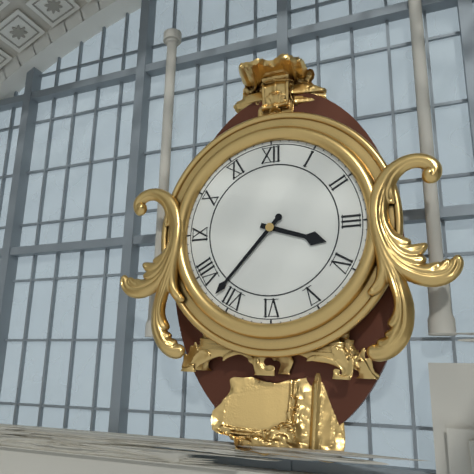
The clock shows 3.37
